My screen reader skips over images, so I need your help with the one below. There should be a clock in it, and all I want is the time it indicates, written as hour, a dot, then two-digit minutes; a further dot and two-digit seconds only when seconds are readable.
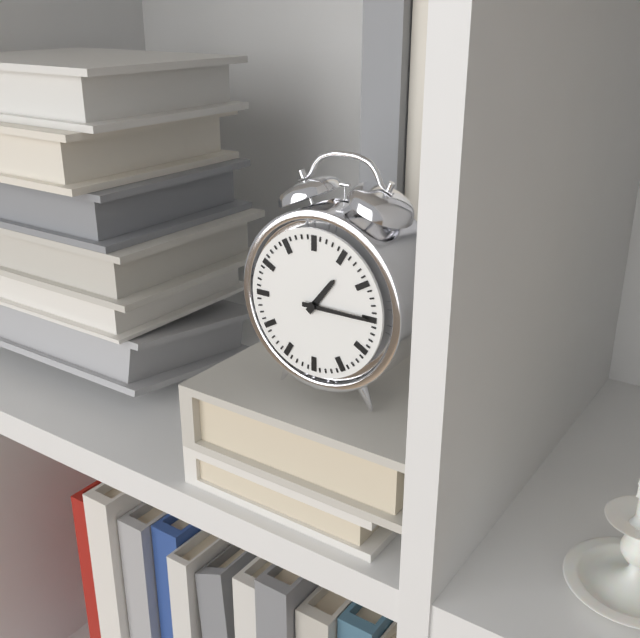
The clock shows 1.15
